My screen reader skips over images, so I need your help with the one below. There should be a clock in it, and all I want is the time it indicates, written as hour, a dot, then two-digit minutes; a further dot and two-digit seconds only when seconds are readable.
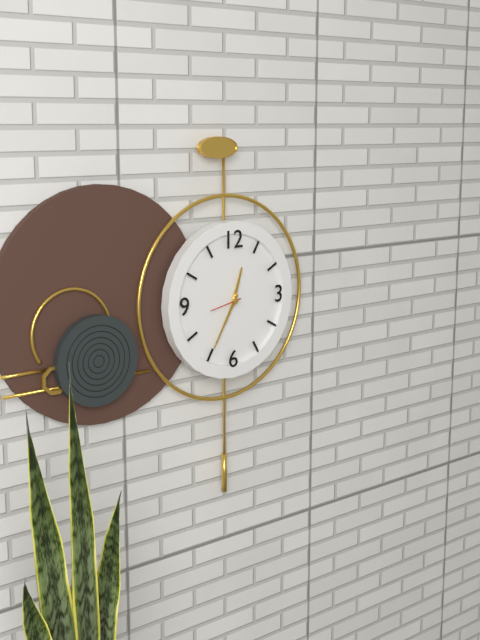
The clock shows 12.35
